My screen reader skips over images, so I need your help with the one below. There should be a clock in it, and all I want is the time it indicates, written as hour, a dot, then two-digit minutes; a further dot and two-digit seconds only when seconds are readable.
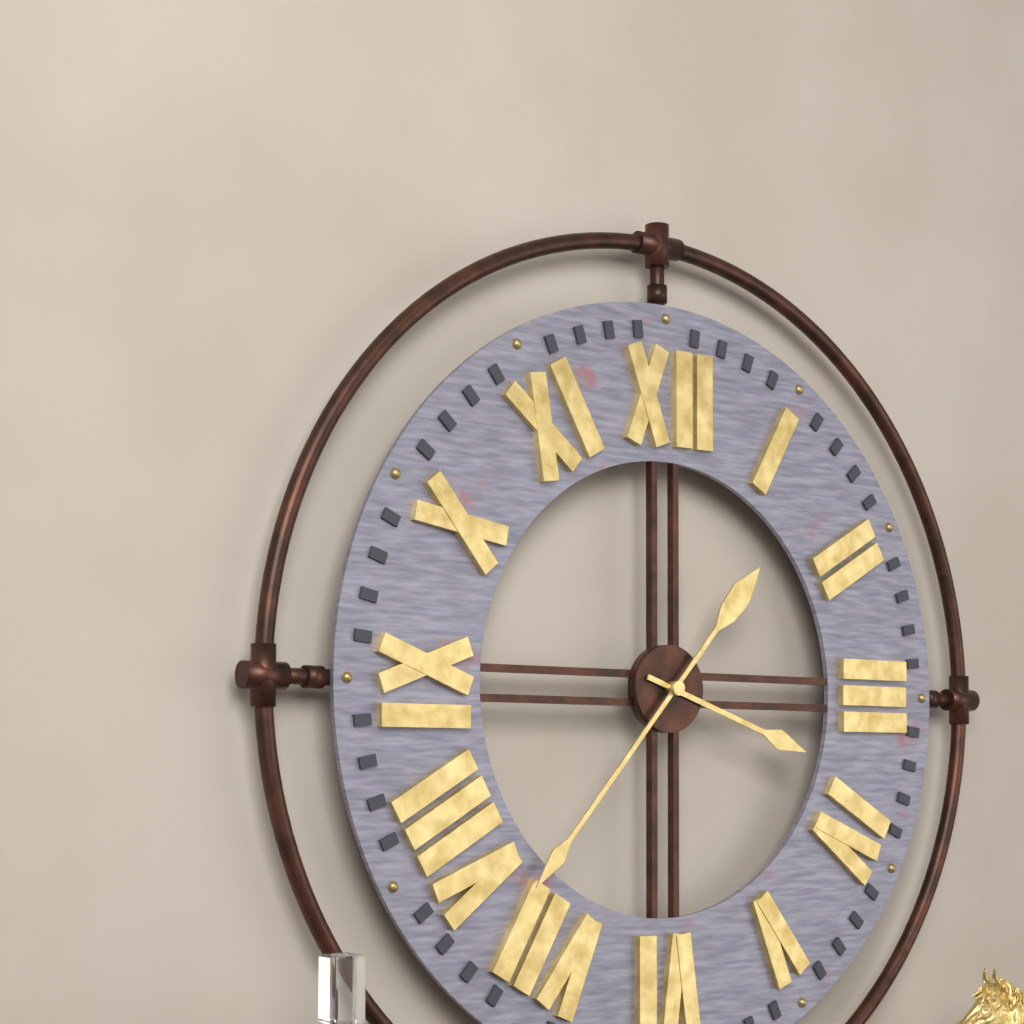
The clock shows 3.37
